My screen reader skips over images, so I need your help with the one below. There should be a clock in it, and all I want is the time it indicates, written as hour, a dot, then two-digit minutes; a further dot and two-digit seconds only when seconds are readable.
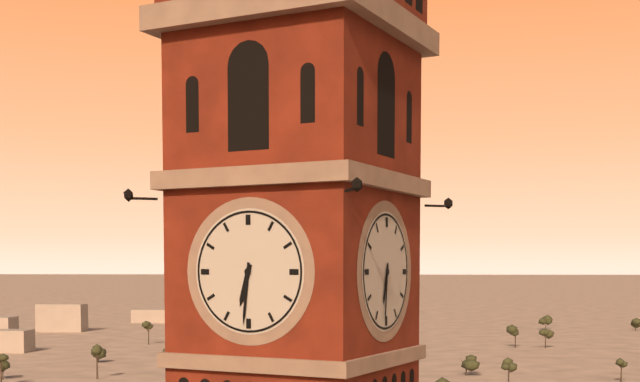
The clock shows 6.31
